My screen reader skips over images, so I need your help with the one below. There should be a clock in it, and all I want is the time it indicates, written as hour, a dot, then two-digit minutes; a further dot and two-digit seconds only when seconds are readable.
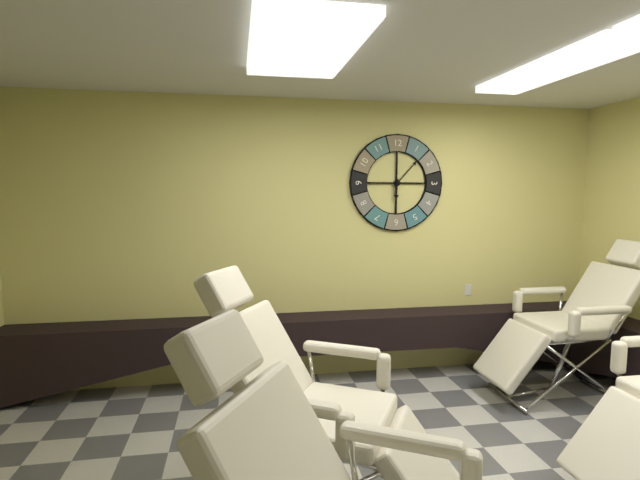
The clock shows 6.07
